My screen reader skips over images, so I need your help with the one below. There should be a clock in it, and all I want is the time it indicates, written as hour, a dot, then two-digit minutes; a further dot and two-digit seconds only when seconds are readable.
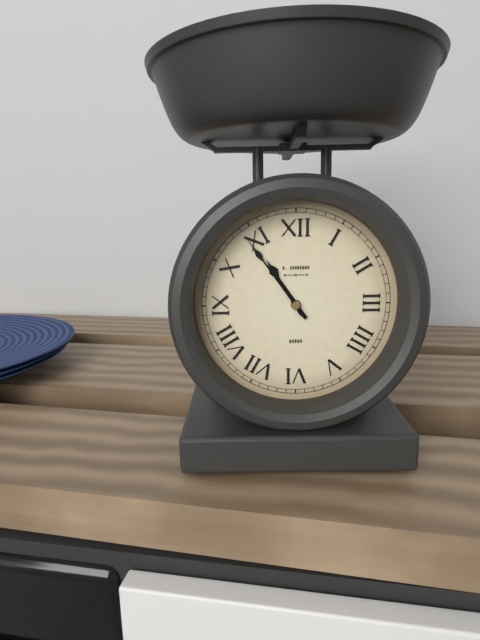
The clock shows 10.54
